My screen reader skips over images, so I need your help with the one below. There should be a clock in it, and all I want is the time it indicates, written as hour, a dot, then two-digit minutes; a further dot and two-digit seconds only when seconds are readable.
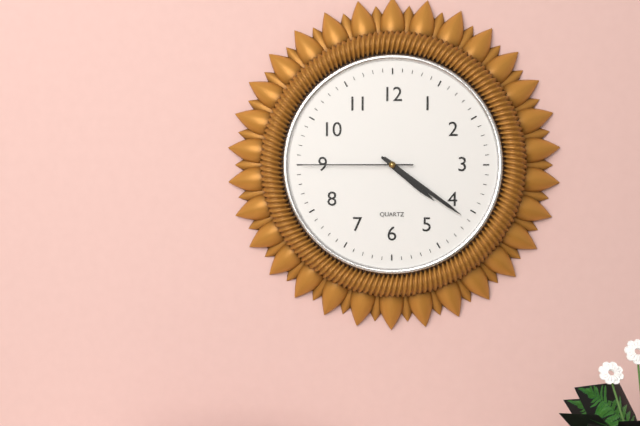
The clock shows 4.21.45
